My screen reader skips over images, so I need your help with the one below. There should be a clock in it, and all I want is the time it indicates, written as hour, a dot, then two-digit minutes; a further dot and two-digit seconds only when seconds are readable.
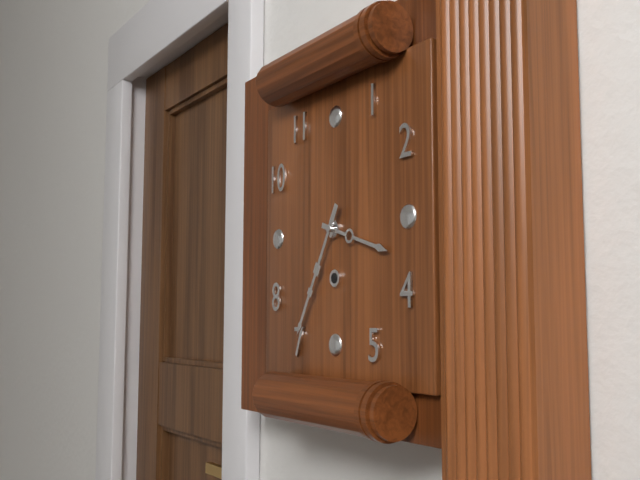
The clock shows 3.35
